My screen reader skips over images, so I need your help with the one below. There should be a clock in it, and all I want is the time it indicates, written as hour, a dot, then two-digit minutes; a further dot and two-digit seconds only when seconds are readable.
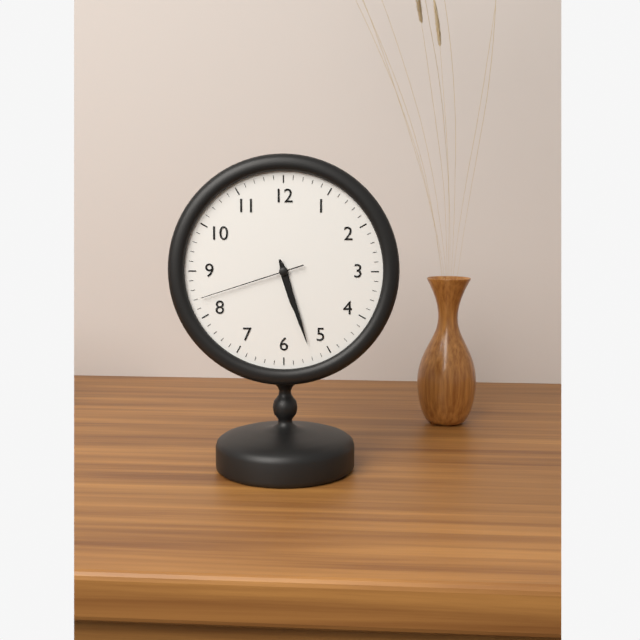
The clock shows 5.27.42
